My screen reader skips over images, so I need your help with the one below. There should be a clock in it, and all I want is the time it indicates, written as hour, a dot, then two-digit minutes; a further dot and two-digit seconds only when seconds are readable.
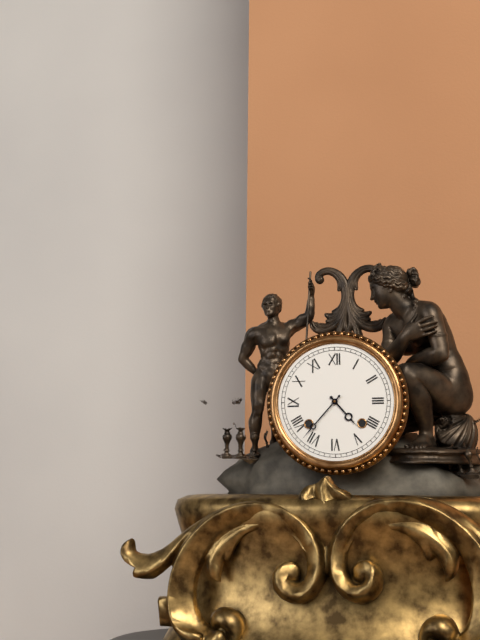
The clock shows 4.37
